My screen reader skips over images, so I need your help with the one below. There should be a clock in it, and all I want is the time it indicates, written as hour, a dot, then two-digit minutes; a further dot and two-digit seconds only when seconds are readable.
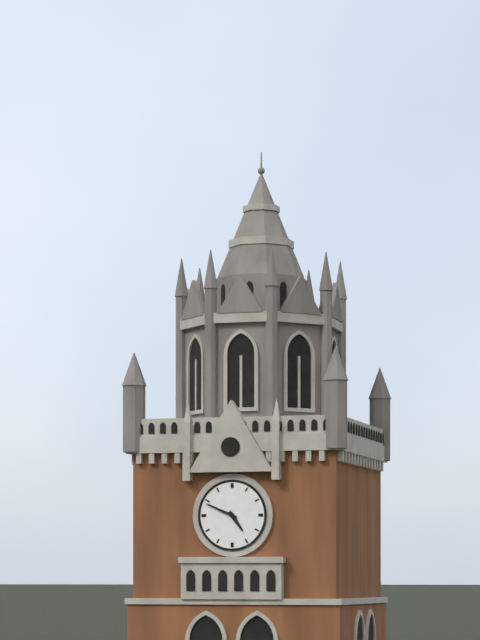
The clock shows 4.49
